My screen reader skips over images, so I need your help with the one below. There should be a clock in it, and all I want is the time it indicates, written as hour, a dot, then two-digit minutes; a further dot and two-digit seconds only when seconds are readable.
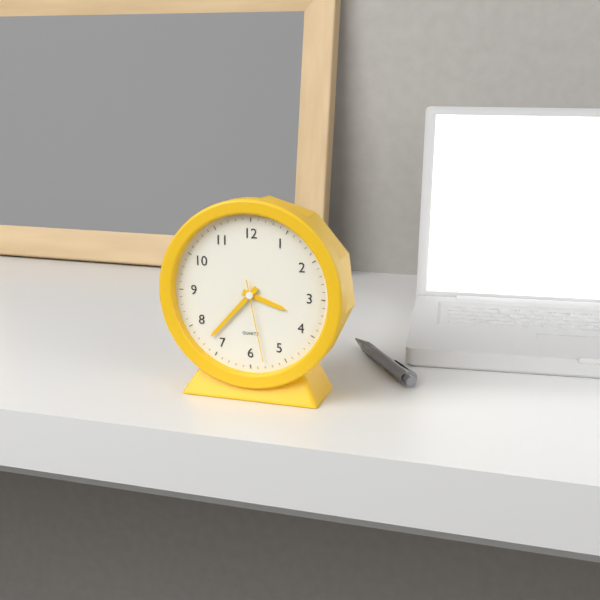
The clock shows 3.37.28
